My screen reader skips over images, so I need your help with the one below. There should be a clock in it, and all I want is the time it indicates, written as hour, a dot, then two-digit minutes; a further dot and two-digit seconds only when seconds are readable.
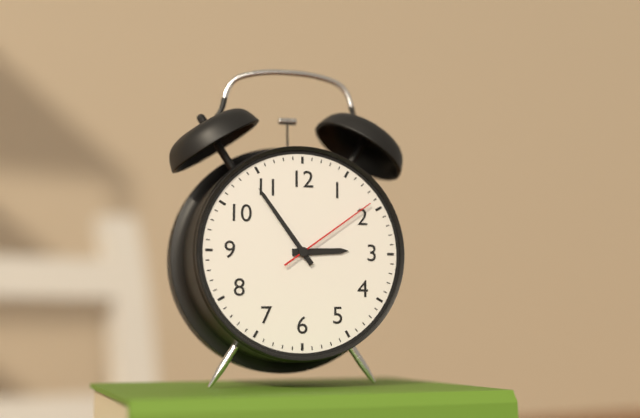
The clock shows 2.54.09
